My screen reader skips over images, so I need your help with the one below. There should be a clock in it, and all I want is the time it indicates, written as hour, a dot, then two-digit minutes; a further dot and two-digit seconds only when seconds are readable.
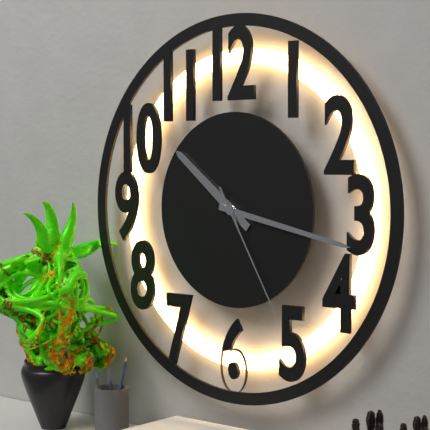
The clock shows 10.17.25
